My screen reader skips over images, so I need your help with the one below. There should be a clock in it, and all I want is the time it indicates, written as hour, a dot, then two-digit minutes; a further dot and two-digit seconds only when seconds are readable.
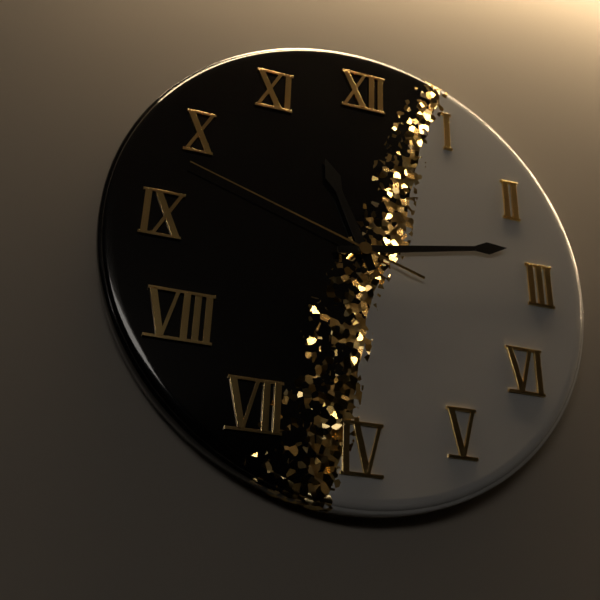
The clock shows 11.13.48
